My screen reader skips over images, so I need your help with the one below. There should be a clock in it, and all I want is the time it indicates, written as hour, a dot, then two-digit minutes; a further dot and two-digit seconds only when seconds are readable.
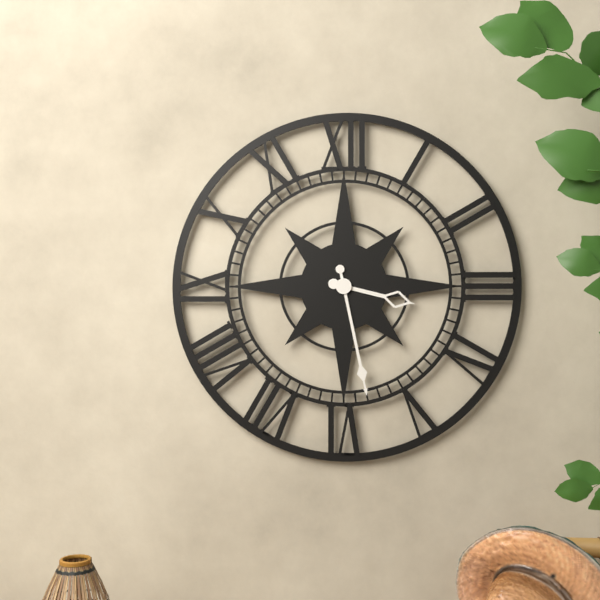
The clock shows 3.28
